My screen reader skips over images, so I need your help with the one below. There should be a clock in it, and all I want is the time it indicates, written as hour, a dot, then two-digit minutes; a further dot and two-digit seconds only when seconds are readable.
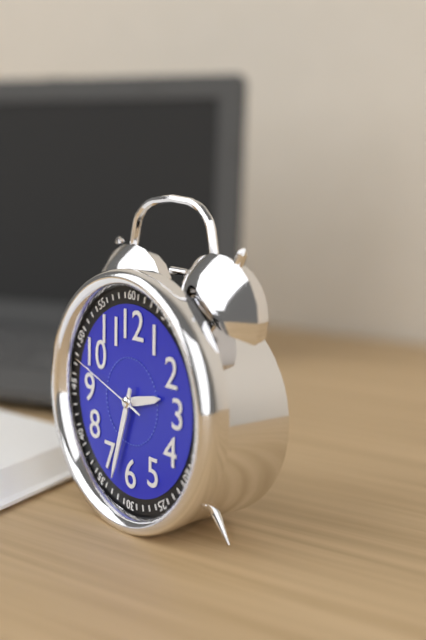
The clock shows 2.33.48
